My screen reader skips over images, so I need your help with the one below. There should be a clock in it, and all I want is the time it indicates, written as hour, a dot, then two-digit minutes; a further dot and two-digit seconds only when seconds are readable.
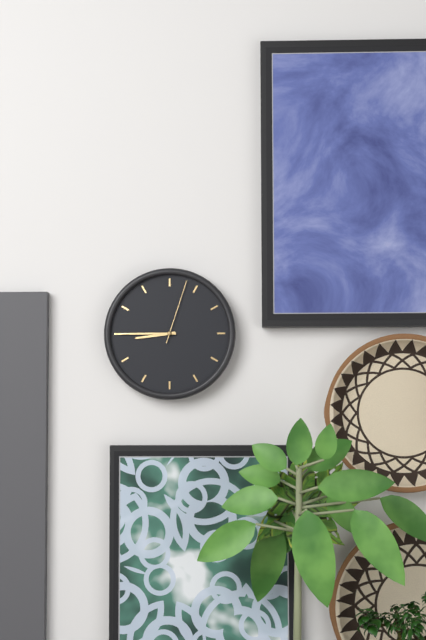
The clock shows 8.45.03
